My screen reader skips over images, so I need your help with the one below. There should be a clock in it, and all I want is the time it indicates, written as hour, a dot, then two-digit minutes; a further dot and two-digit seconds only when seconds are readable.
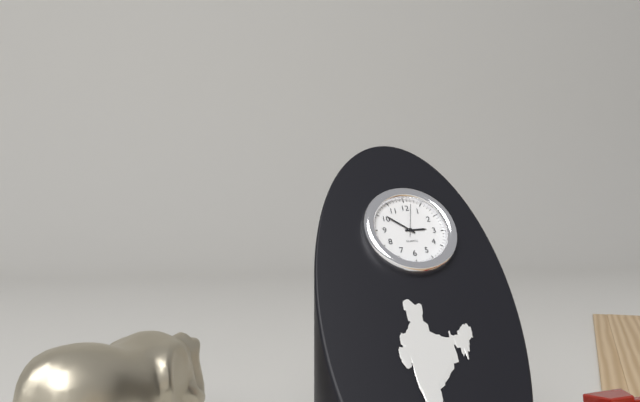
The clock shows 2.51
